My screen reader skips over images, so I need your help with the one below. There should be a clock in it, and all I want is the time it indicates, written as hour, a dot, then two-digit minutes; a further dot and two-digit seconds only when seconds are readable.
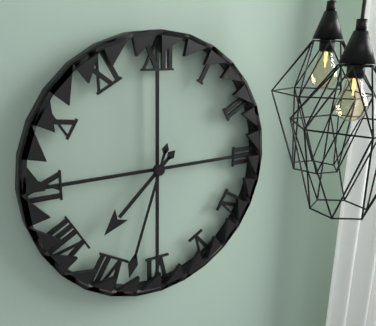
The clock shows 7.33
